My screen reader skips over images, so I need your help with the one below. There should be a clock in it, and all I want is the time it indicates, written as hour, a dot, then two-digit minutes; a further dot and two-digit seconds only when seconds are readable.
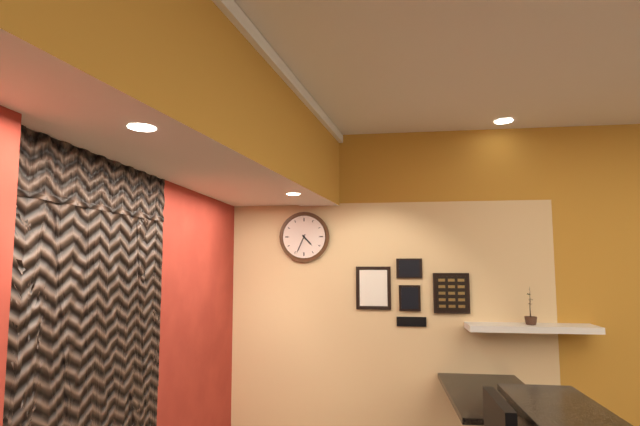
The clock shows 4.34
